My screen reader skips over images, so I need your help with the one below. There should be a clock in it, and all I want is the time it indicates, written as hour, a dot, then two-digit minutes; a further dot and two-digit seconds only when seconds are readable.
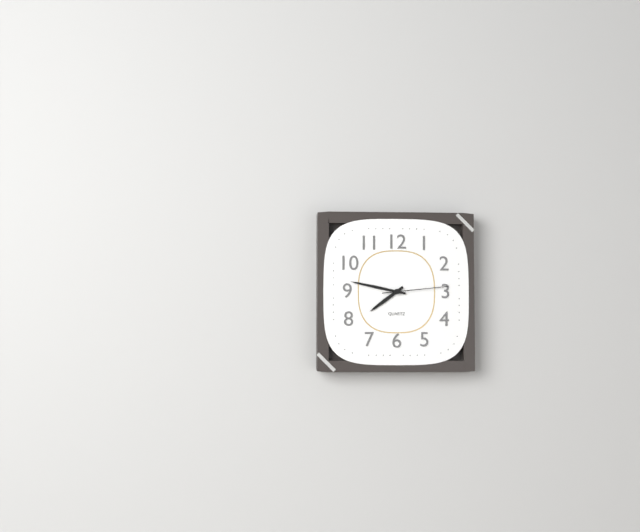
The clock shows 7.47.14
